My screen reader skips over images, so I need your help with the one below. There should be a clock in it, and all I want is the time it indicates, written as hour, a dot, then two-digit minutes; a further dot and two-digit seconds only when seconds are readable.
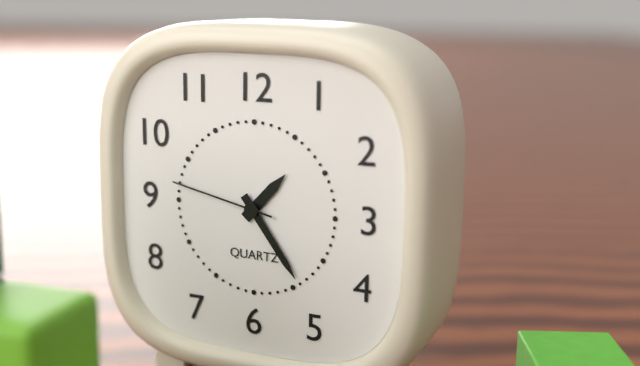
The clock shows 1.24.47
